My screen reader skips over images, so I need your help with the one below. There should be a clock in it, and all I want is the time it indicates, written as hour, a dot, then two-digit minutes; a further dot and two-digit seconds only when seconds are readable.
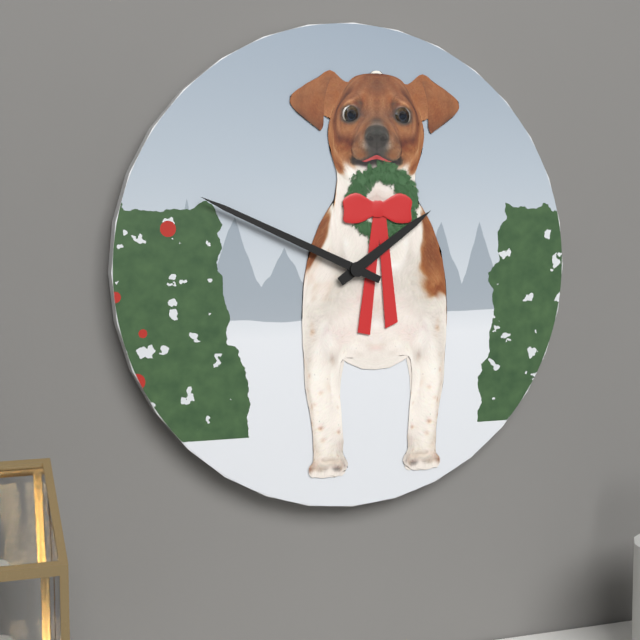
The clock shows 1.49
